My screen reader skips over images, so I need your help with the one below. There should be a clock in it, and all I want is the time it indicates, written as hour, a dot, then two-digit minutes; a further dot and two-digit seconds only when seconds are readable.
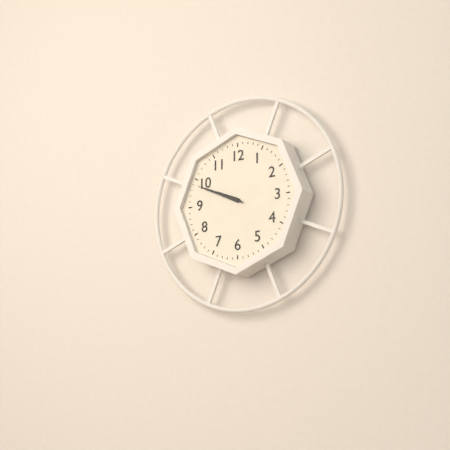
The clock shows 9.49
